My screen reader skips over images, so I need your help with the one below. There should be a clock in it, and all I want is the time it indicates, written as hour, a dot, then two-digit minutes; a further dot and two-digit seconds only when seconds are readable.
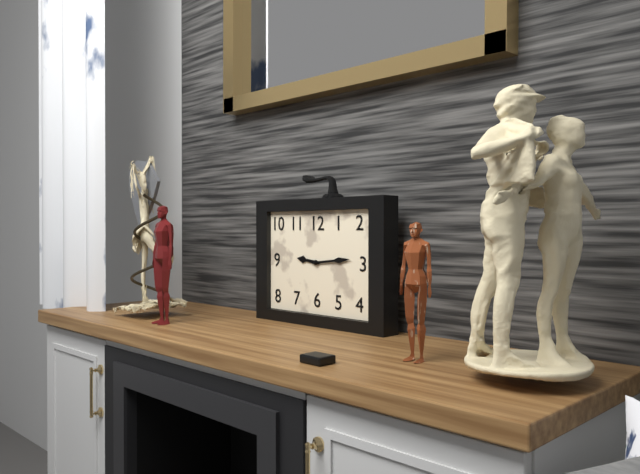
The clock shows 9.14
